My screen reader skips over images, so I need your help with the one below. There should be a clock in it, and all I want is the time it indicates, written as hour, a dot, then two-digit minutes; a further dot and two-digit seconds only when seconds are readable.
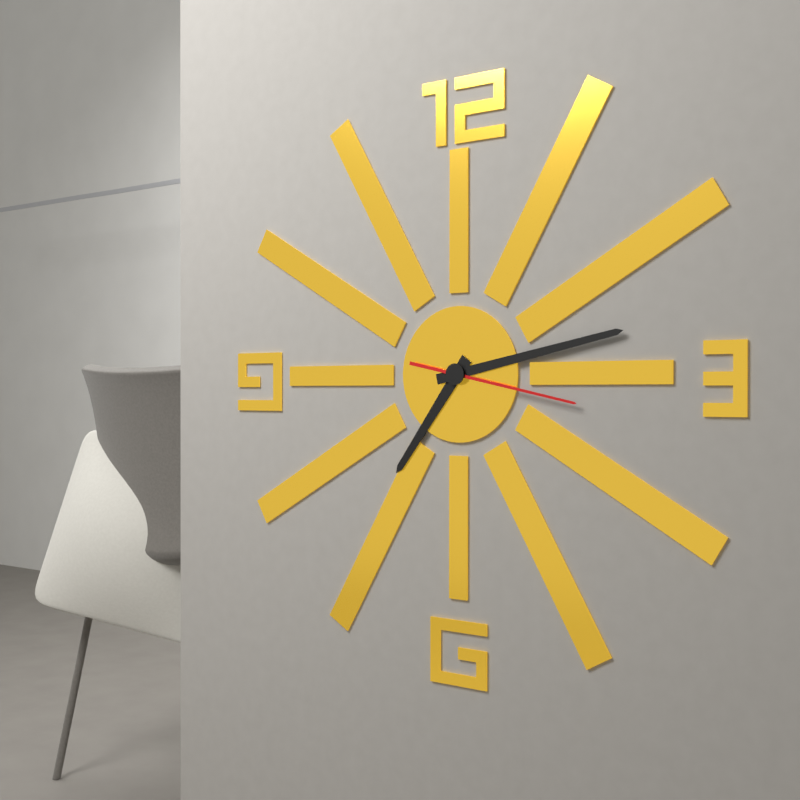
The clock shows 7.13.17
